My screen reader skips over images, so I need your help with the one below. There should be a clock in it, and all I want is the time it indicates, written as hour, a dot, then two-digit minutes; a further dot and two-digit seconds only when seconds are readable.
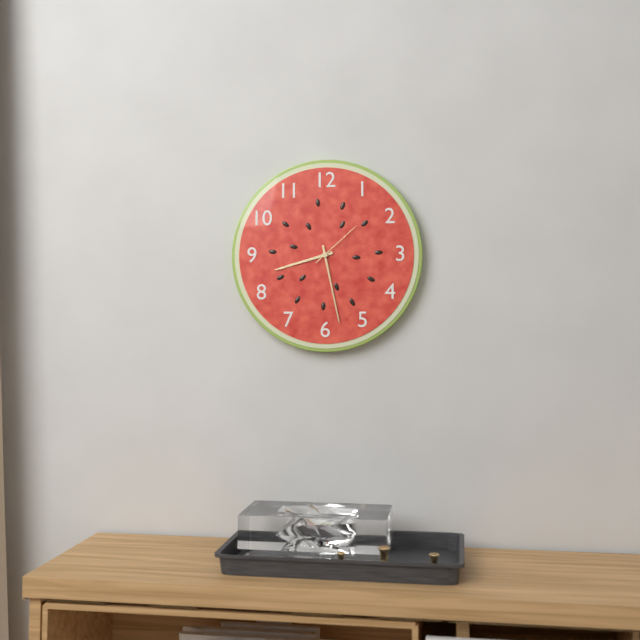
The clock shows 8.28.08
